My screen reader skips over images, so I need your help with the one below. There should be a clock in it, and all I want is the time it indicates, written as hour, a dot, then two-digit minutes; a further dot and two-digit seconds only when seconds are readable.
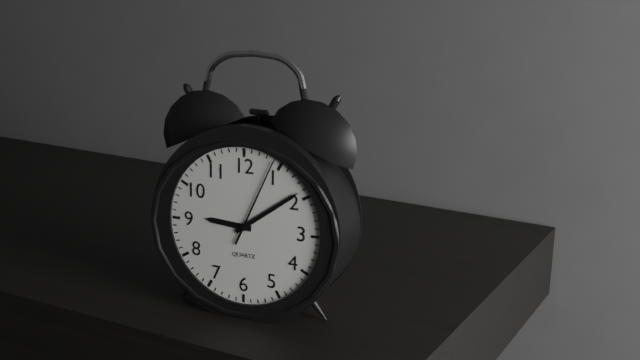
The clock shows 9.09.04
